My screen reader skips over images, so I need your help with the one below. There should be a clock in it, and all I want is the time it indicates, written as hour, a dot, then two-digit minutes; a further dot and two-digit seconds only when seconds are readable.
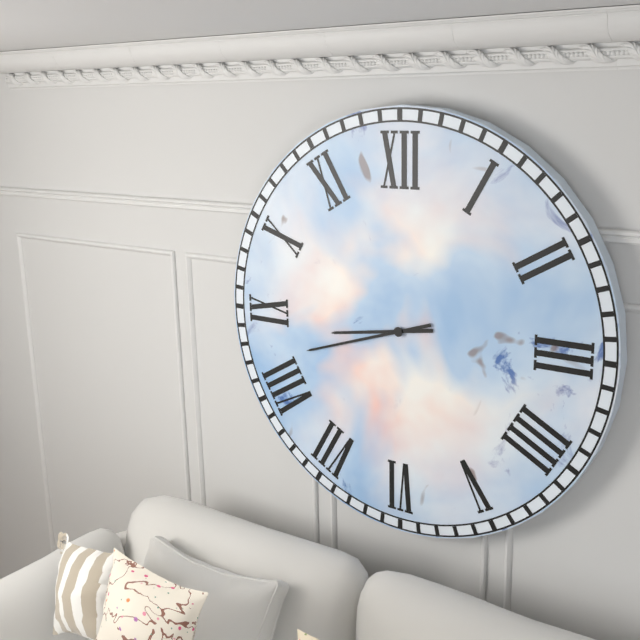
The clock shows 8.42
